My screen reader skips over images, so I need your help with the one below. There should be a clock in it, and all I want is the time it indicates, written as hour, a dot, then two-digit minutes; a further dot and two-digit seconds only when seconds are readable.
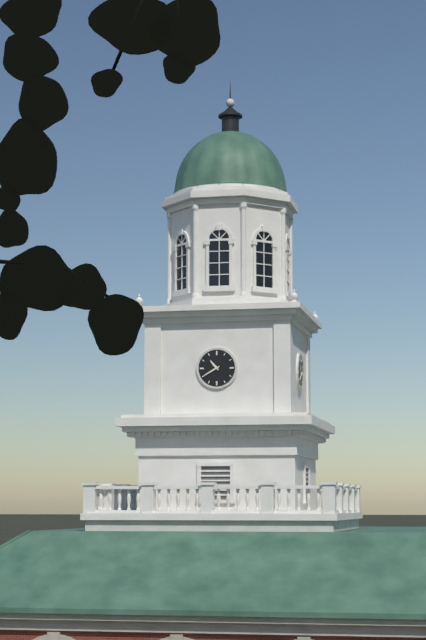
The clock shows 10.40
